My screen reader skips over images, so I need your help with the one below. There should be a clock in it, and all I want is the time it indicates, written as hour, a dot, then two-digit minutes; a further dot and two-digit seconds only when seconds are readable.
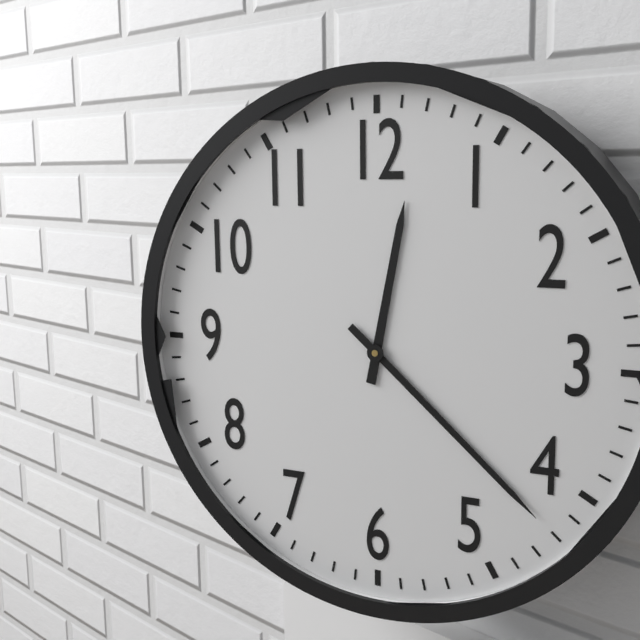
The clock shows 12.22
